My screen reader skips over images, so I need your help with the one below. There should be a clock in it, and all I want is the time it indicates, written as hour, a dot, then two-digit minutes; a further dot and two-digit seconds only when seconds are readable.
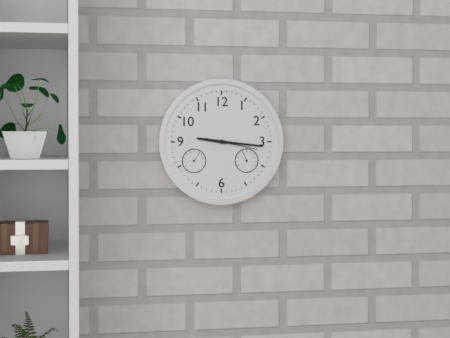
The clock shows 9.16
